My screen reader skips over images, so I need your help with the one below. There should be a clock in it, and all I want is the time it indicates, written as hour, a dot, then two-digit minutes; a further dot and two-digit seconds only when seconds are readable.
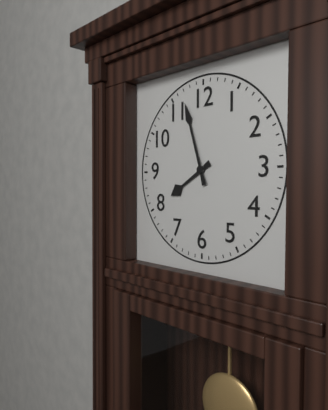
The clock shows 7.57
